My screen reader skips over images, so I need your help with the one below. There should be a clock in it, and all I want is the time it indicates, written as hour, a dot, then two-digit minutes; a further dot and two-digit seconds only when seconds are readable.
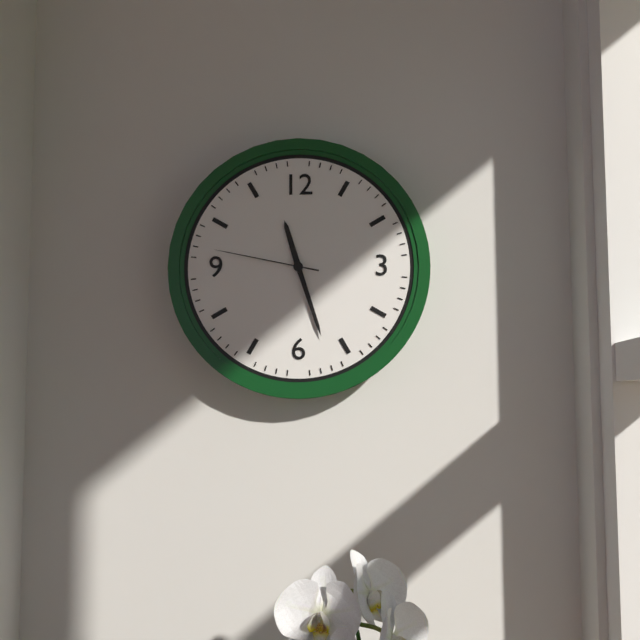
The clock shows 11.27.47
